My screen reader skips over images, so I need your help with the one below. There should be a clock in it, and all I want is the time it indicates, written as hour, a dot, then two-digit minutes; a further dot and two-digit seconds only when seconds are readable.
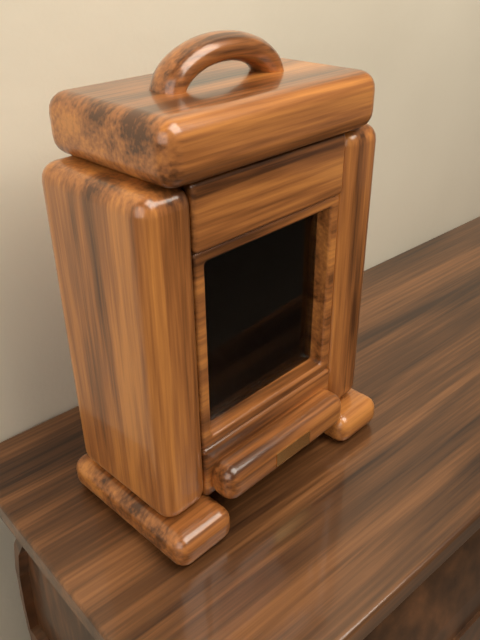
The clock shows 6.34.05
